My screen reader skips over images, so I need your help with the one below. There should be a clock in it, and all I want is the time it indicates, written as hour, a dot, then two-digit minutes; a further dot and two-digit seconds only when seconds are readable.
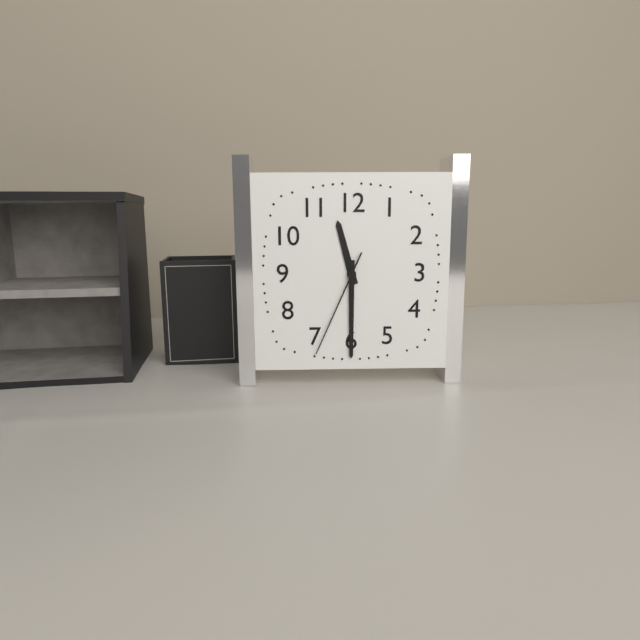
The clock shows 11.30.34
